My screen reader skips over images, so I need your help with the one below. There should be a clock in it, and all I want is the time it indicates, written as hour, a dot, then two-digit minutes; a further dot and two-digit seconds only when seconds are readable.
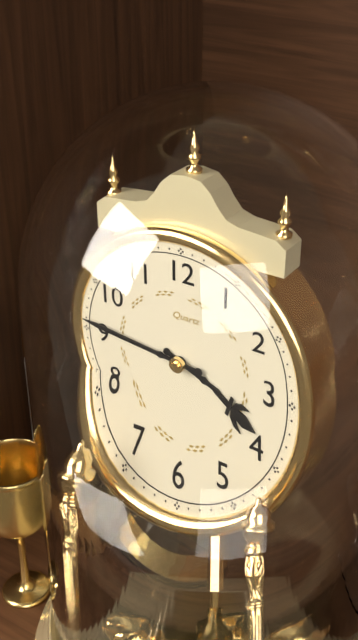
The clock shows 3.46
